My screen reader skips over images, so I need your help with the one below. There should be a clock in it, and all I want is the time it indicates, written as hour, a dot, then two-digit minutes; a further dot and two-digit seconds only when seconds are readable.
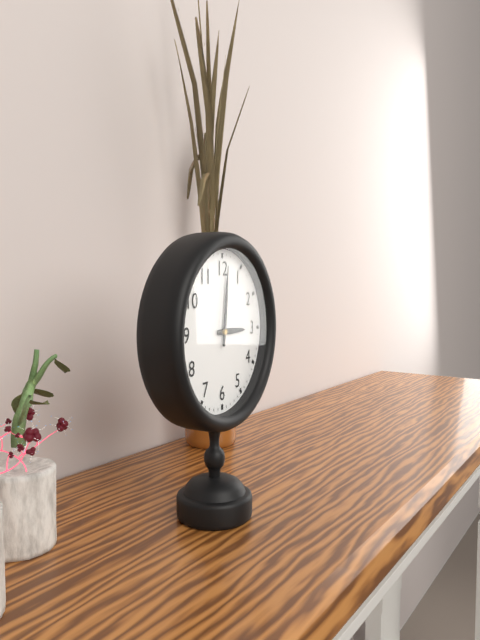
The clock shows 3.01
